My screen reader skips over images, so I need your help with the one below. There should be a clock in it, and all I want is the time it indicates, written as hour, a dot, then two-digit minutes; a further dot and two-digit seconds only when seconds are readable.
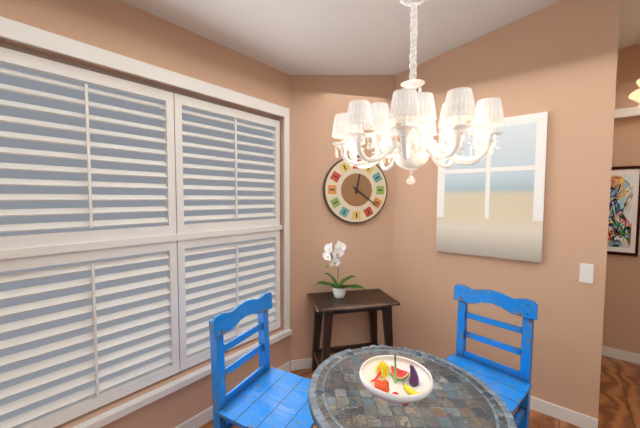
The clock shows 12.21
